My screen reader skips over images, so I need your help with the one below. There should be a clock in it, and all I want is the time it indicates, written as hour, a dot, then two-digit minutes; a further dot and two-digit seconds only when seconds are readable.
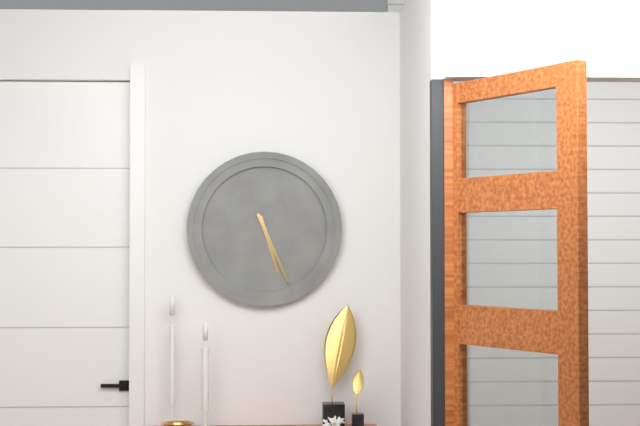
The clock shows 5.26
